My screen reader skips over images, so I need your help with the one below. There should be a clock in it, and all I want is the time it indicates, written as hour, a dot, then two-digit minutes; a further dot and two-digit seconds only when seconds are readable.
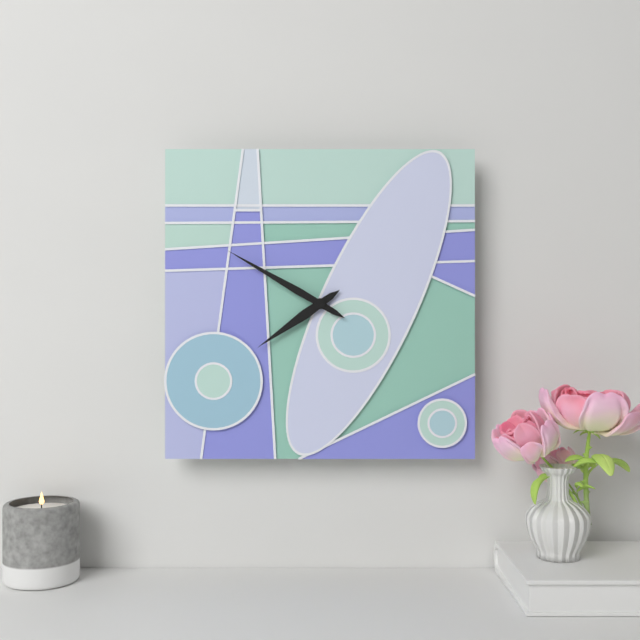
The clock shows 7.50
